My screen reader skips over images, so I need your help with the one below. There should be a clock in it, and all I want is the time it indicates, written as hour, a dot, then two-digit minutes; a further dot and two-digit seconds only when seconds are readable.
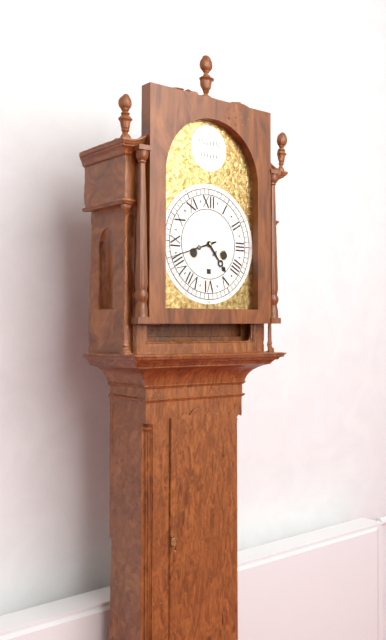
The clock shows 4.42
